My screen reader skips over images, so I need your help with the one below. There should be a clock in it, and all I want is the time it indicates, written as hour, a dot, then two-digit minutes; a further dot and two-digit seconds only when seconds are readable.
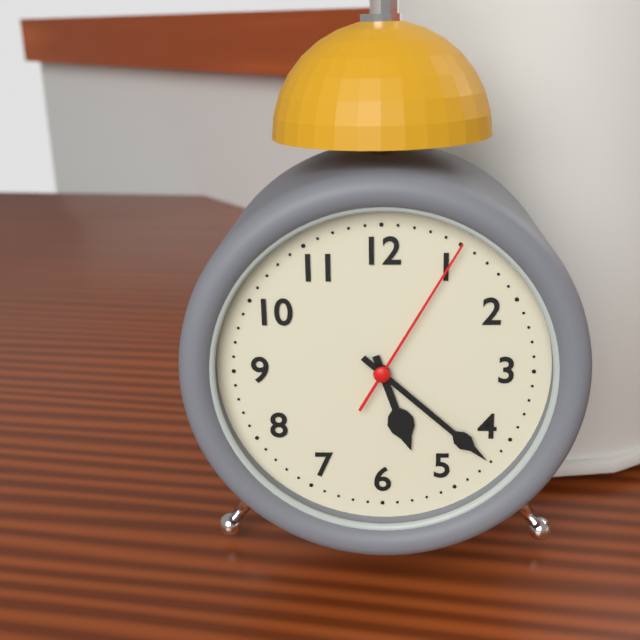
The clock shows 5.22.05
